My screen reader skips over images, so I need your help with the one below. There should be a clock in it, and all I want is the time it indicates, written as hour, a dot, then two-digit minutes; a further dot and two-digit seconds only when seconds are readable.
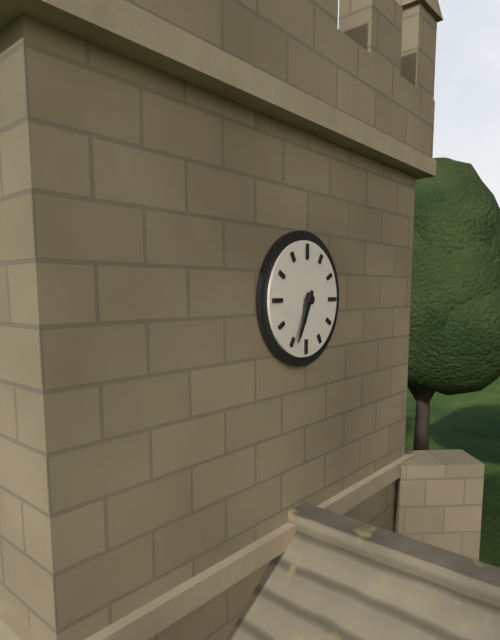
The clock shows 6.34
